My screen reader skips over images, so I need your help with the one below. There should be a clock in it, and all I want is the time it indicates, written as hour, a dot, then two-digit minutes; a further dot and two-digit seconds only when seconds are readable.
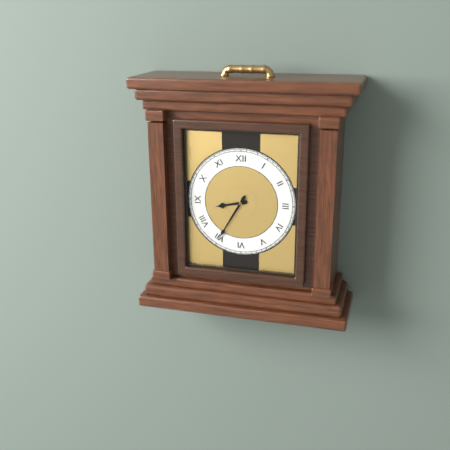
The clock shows 8.35
